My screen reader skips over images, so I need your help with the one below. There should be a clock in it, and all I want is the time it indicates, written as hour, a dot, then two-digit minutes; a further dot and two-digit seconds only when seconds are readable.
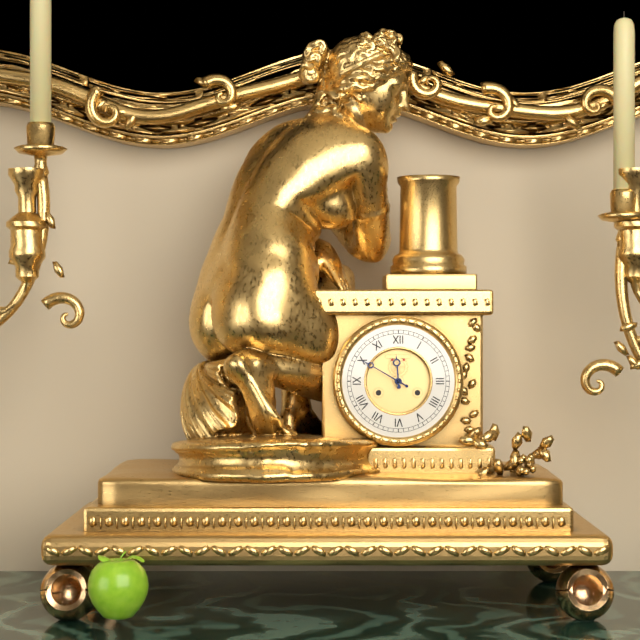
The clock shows 11.50
